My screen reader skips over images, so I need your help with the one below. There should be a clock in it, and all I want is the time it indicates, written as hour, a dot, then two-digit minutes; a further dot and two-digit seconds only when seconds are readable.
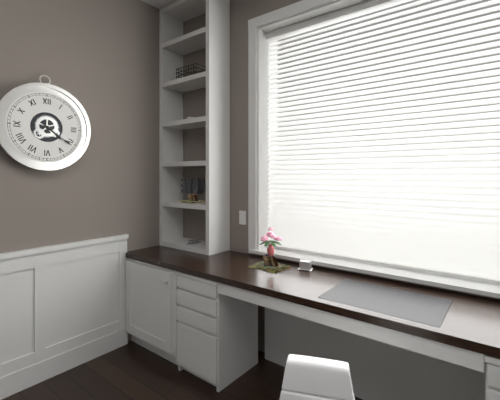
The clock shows 4.21
